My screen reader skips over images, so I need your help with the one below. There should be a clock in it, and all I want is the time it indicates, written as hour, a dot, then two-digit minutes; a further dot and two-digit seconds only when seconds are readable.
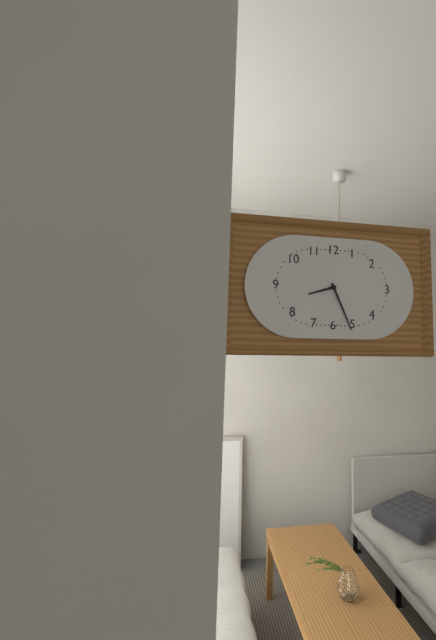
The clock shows 8.26
